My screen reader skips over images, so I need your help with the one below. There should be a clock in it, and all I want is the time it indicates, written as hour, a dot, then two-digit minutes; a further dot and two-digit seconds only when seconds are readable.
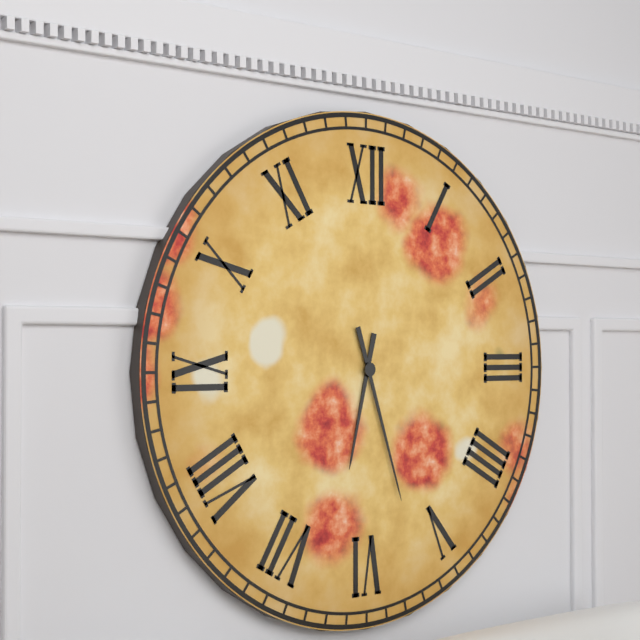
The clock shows 6.27
